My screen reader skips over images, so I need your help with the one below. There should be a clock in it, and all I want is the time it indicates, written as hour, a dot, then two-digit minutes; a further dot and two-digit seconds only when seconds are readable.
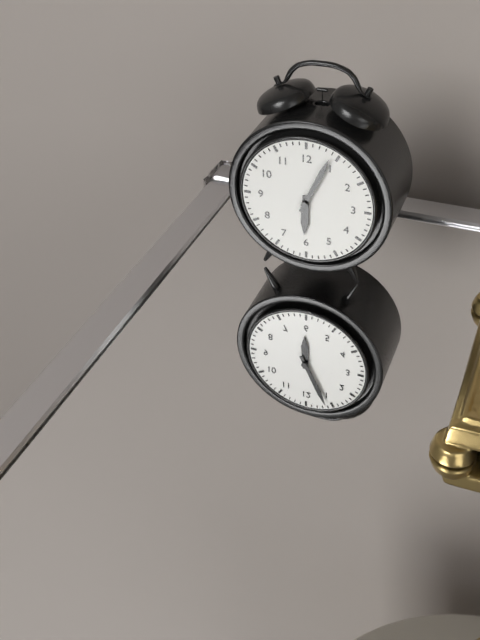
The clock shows 6.04
